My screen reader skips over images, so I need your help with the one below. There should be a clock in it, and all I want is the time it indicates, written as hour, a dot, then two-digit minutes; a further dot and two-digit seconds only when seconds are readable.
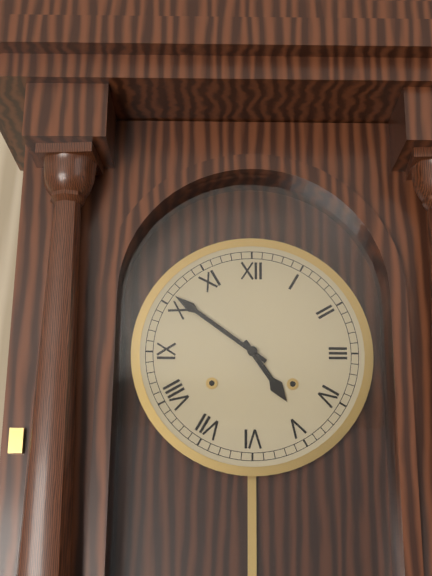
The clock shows 4.51
